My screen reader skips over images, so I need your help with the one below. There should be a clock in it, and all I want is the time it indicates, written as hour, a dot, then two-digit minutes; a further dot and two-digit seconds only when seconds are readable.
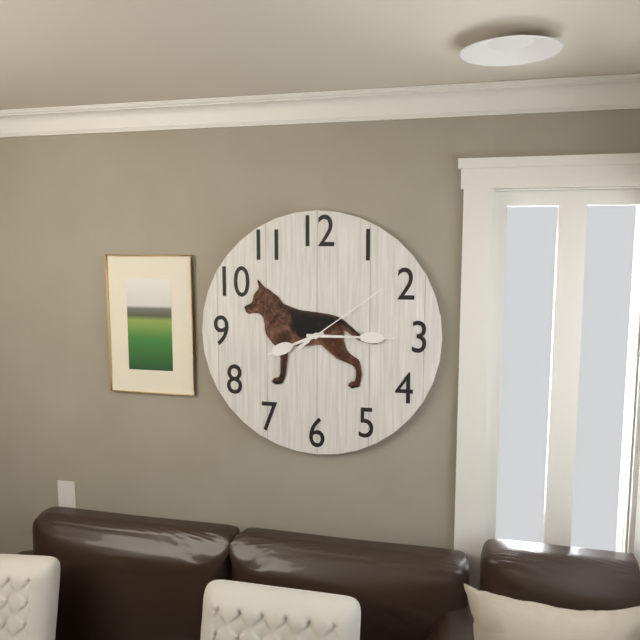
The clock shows 8.15.09
